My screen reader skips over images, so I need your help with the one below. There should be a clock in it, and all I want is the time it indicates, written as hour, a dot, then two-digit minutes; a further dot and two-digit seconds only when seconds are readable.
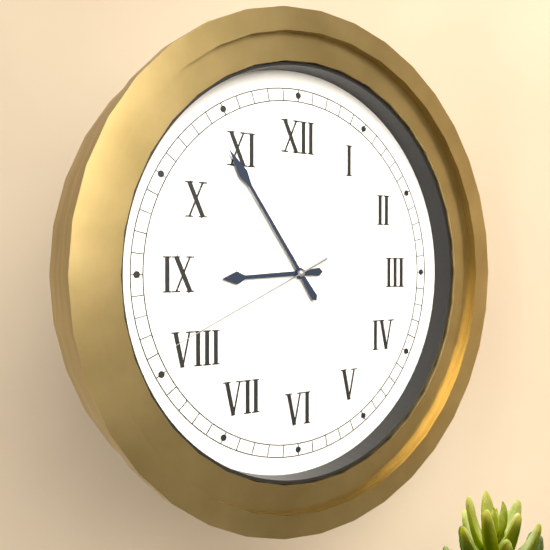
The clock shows 8.54.41
